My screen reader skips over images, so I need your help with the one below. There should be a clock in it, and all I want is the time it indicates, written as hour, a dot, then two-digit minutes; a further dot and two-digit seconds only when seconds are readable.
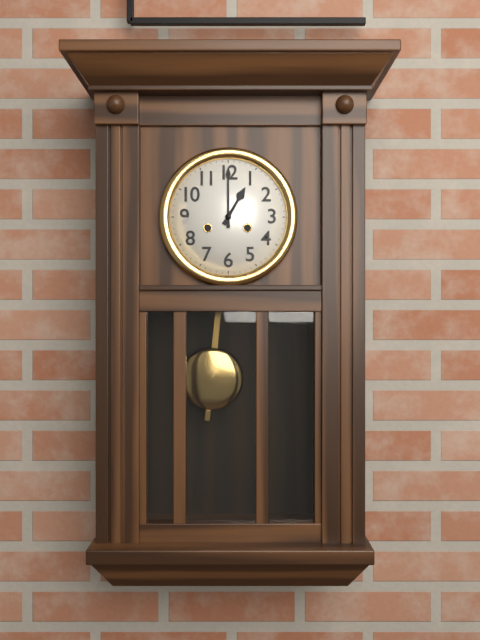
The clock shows 1.00
